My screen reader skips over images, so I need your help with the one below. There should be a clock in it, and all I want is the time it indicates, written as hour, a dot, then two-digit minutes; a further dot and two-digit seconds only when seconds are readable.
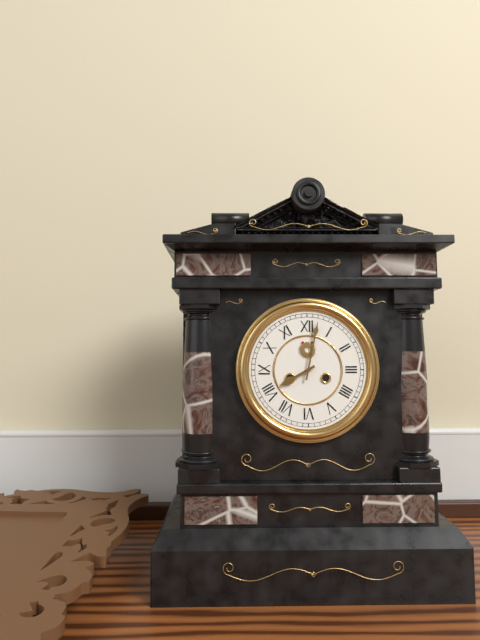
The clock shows 8.02
